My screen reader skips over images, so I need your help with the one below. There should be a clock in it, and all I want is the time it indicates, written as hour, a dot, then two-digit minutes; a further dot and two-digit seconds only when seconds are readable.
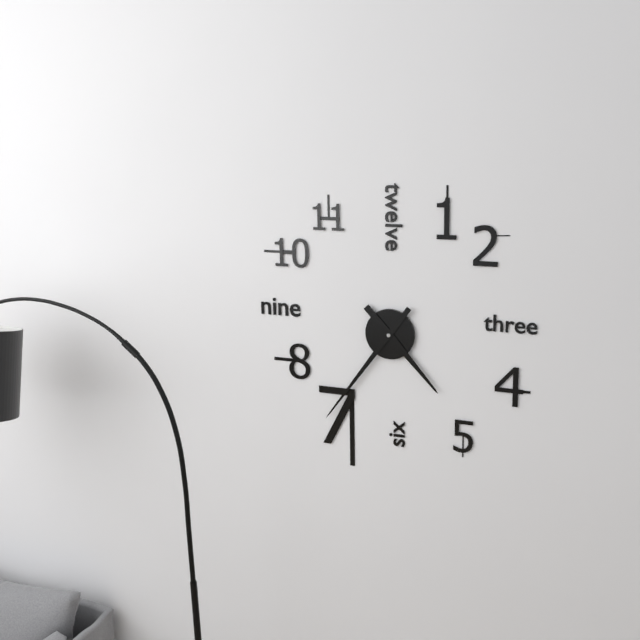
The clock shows 4.36
